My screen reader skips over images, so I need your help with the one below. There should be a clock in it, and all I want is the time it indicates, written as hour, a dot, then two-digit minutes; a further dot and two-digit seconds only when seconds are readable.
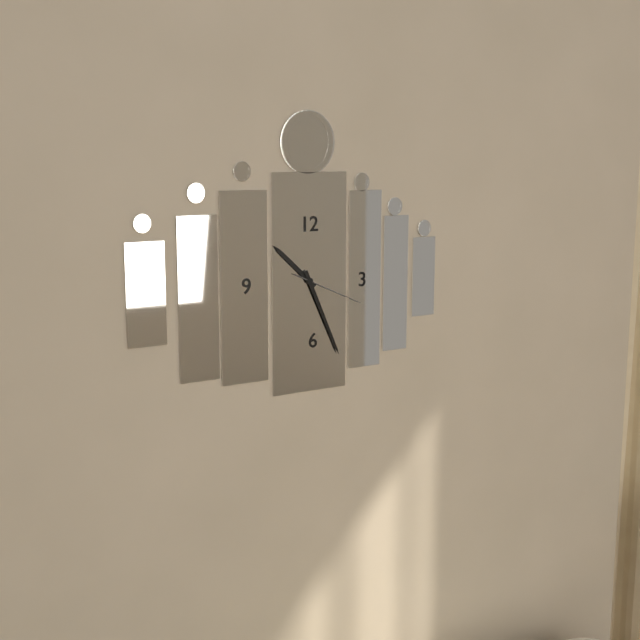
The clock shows 10.26.19
